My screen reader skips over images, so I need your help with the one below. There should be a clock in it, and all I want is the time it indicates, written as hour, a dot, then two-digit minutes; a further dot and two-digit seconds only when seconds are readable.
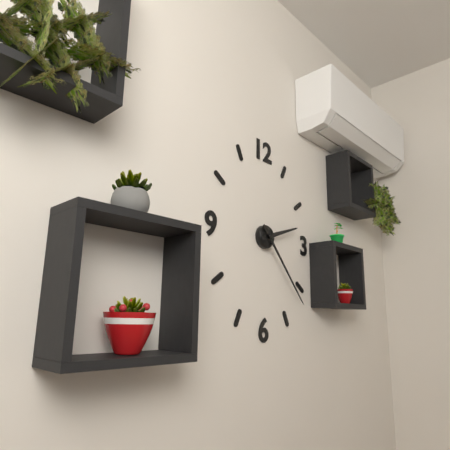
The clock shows 2.23
